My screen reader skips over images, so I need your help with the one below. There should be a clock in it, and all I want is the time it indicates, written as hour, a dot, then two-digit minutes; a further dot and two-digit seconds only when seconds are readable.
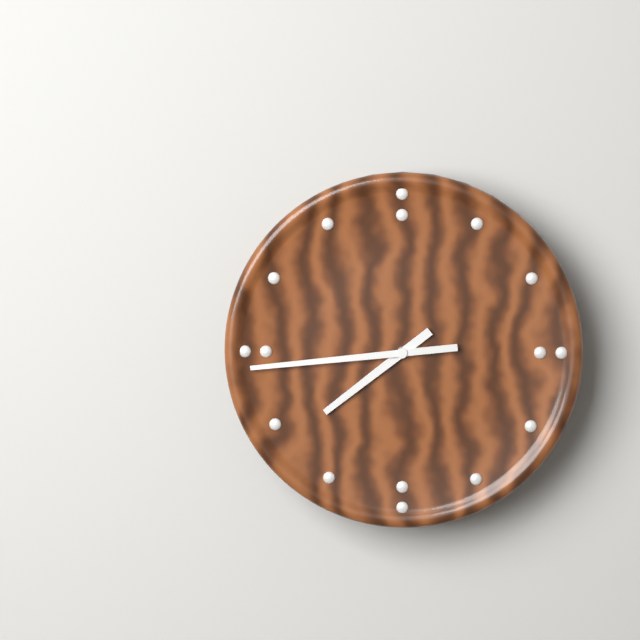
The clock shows 7.44
